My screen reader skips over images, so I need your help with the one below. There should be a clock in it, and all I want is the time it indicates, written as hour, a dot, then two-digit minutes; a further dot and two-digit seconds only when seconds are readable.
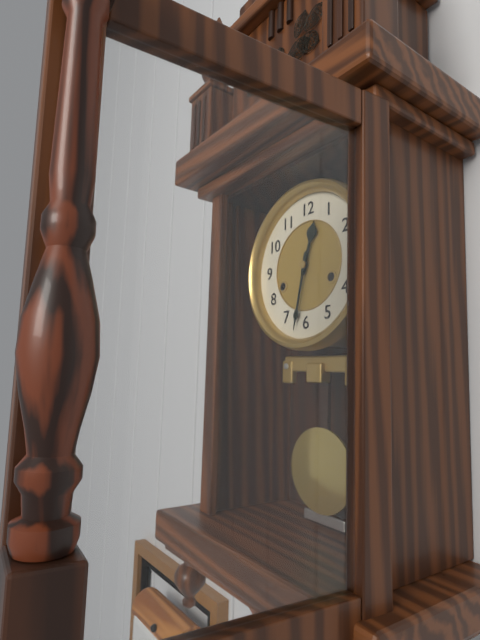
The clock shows 12.32
